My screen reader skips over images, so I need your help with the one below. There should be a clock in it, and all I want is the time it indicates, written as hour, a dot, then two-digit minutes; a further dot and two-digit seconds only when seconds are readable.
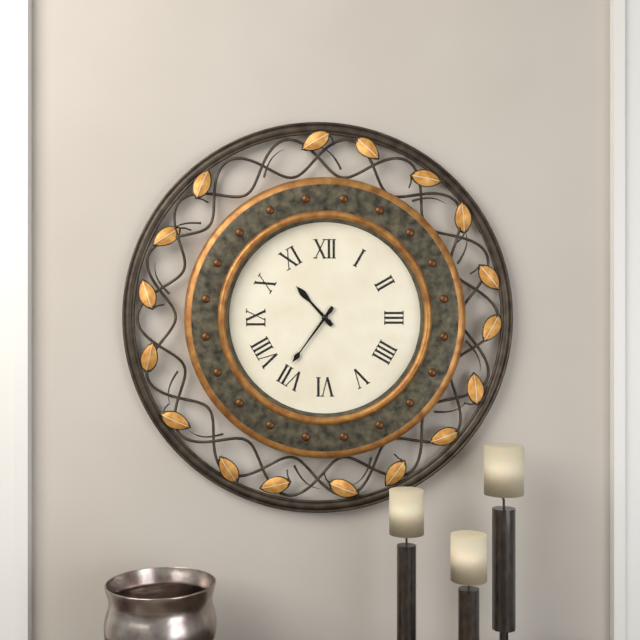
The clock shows 10.36
